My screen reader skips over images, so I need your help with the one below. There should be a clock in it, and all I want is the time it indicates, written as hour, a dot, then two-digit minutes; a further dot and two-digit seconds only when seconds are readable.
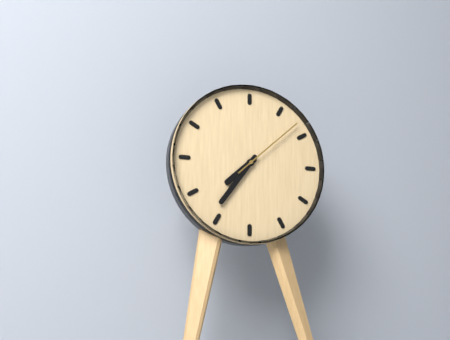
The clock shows 7.36.08
